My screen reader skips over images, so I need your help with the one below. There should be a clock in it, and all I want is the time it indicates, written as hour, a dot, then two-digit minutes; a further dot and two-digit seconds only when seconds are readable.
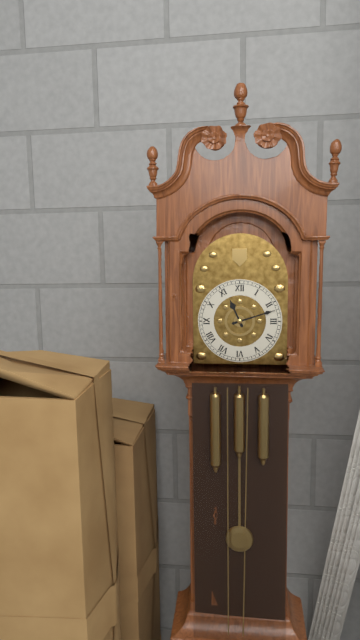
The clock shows 11.12
